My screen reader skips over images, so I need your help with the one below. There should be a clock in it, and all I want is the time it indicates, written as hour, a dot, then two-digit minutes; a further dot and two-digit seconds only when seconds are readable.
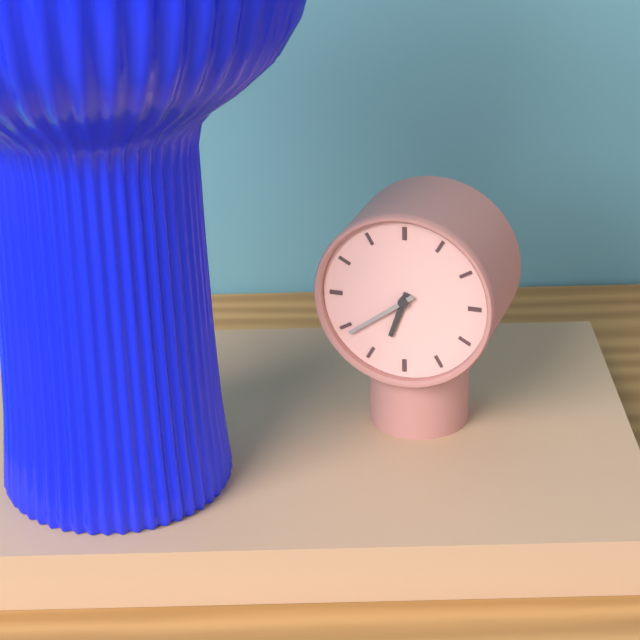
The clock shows 6.39
